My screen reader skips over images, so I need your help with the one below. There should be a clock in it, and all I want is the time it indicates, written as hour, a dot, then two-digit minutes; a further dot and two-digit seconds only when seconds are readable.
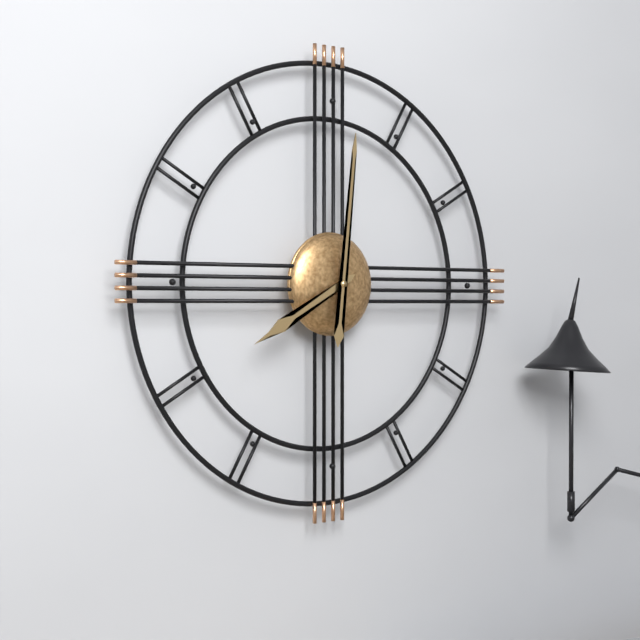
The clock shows 8.01
